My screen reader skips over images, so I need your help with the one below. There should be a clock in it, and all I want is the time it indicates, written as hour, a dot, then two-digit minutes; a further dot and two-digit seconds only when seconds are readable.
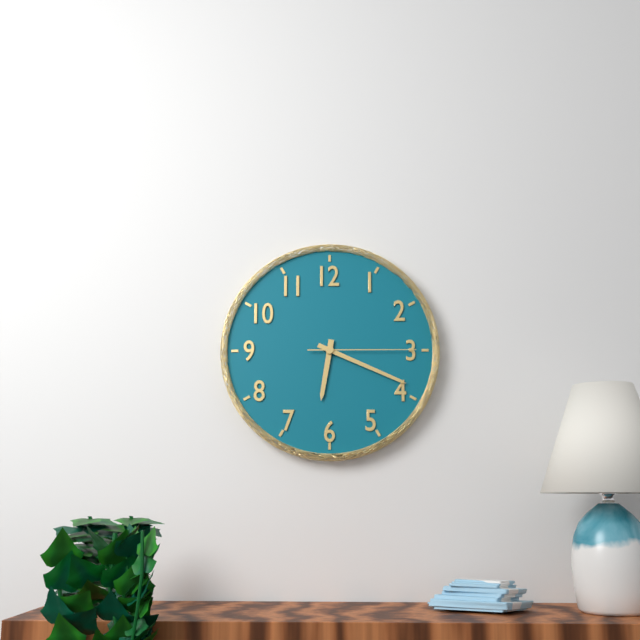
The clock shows 6.19.15
